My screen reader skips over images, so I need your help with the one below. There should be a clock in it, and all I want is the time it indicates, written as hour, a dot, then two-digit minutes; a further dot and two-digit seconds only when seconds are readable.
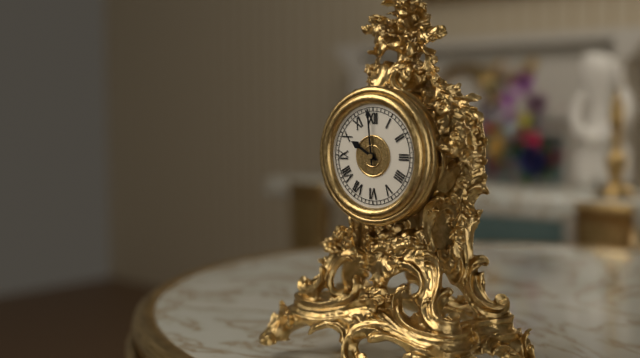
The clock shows 9.59
